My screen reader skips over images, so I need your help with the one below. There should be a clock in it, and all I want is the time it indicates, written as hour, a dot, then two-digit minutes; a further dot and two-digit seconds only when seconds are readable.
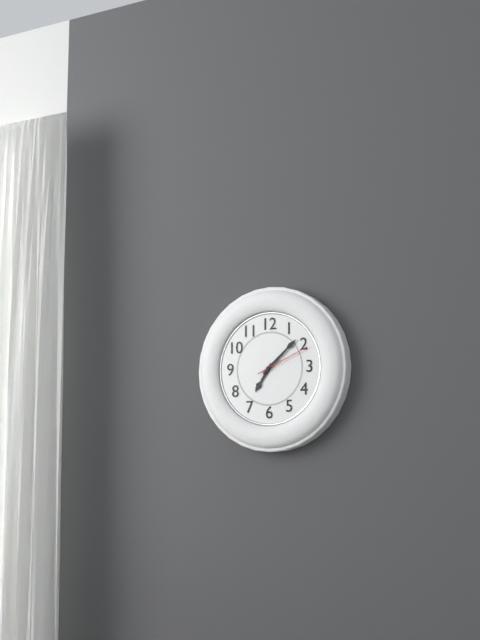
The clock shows 7.08.11
